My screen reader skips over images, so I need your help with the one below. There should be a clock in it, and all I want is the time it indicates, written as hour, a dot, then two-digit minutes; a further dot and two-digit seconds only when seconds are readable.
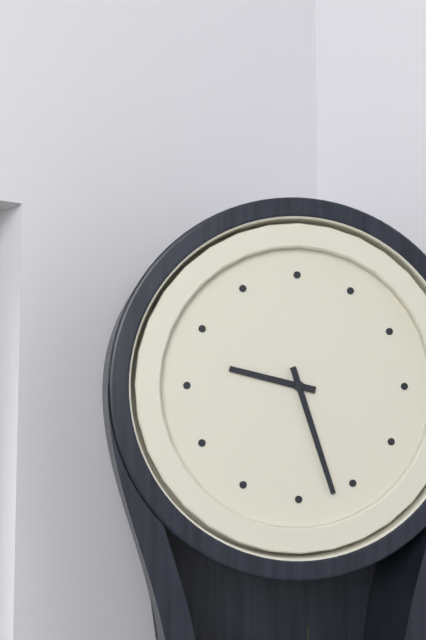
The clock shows 9.27
